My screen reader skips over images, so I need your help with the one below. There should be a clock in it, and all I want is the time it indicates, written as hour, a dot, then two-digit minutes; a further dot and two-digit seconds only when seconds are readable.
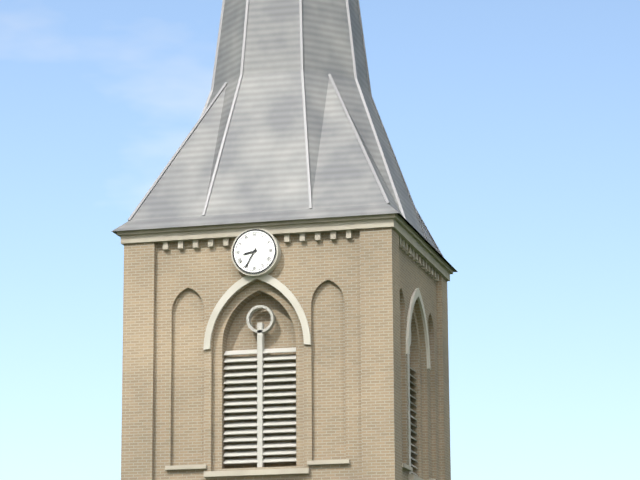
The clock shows 8.35
